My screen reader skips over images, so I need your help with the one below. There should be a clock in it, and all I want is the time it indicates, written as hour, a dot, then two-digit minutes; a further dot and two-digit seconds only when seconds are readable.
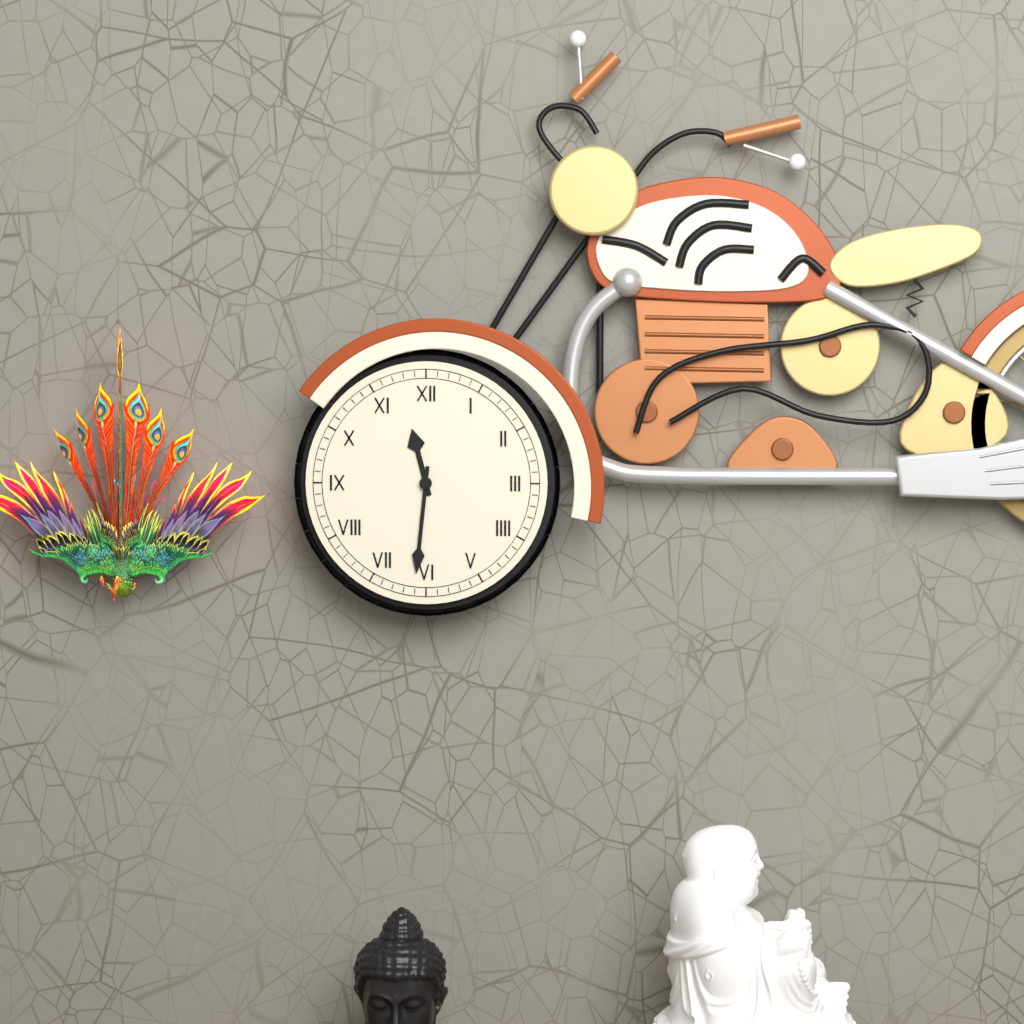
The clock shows 11.31
